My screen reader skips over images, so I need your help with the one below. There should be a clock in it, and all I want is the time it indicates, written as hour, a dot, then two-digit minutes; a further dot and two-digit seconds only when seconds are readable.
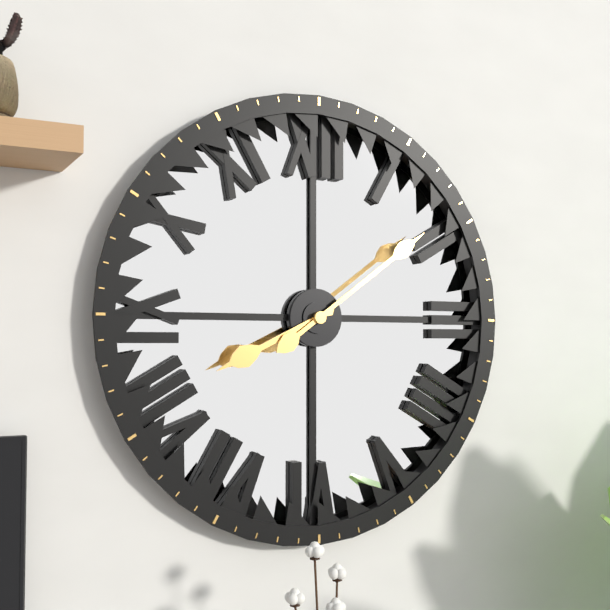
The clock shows 8.09
